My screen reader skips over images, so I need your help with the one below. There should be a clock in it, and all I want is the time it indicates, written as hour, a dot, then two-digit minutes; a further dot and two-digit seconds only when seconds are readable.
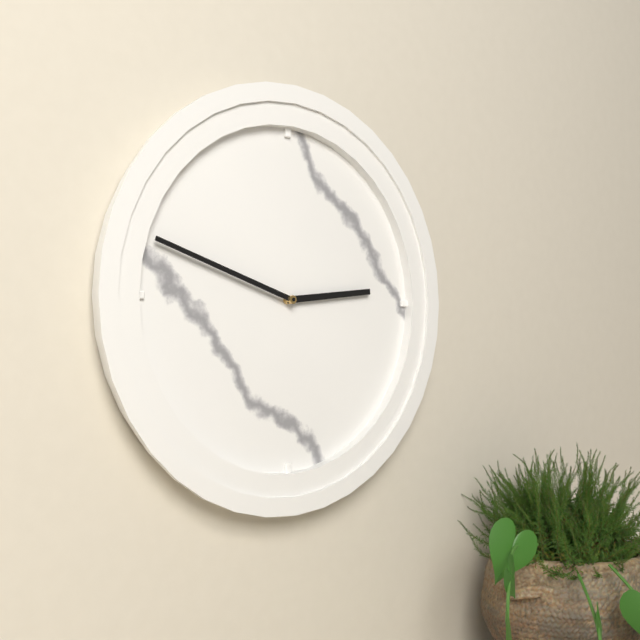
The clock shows 2.48
